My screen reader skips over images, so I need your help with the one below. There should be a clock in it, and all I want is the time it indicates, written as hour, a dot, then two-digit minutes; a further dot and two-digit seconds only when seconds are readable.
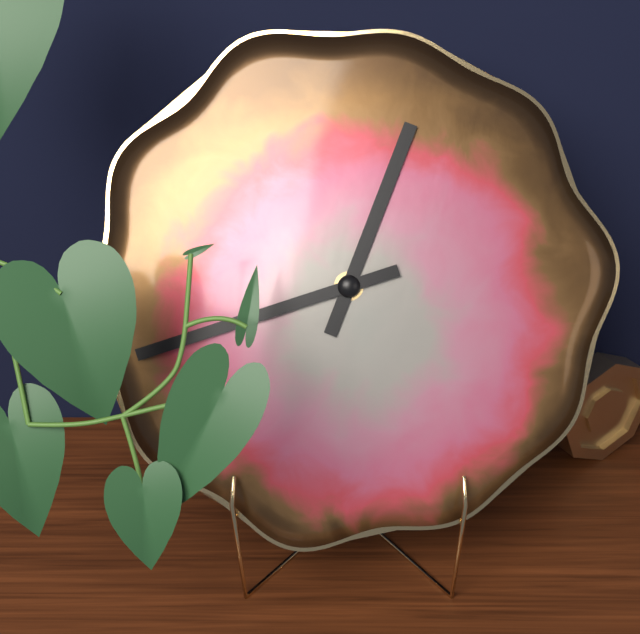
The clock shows 12.42
